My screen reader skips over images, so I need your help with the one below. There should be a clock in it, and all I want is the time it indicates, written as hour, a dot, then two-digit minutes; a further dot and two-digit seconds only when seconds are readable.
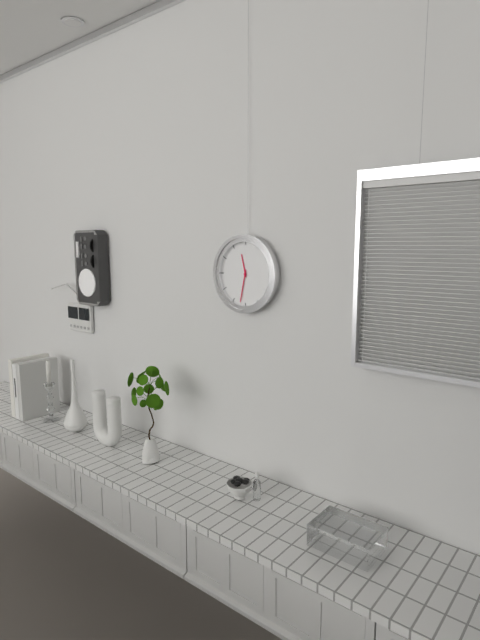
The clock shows 11.32
